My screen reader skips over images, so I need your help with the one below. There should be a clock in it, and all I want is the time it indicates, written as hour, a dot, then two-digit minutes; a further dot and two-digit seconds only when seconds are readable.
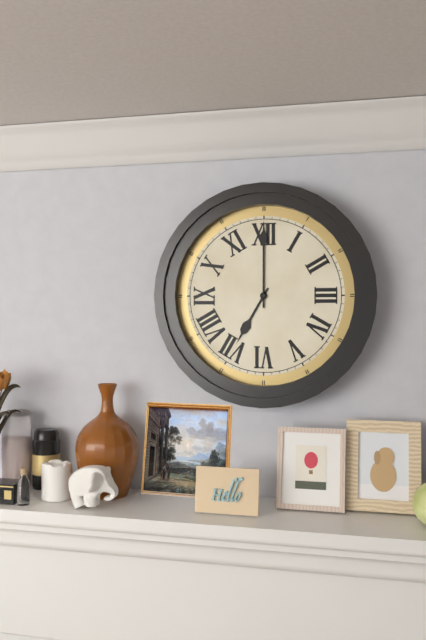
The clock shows 7.00
